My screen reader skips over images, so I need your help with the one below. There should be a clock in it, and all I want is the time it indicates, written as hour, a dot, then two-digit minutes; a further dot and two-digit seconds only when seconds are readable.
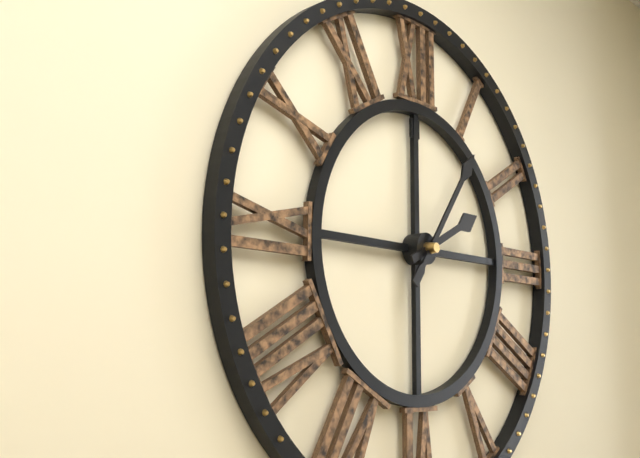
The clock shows 2.06
